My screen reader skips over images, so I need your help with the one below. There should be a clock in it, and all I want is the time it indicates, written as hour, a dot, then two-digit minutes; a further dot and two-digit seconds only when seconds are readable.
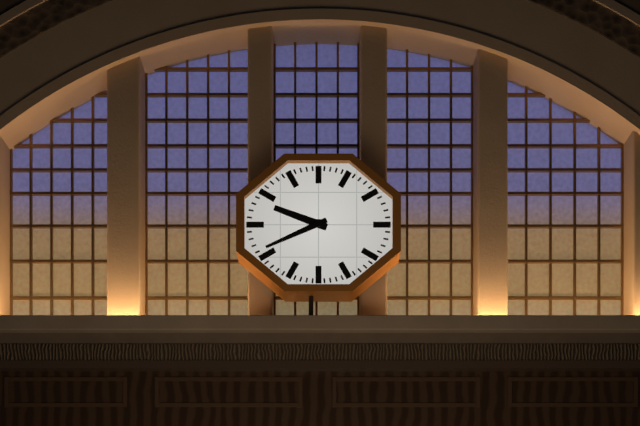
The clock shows 9.41
